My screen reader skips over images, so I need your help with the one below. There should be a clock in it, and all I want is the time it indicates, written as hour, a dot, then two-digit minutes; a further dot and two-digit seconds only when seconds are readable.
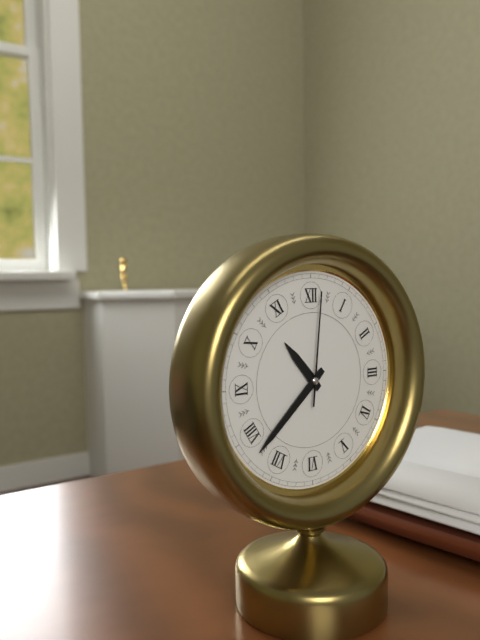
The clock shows 10.38.01
